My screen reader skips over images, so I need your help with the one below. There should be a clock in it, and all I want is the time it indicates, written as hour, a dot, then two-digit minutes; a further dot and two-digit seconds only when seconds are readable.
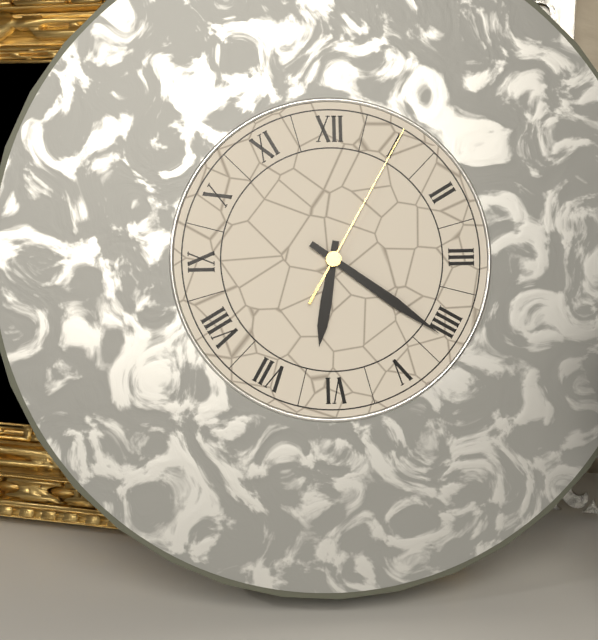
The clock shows 6.21.05
